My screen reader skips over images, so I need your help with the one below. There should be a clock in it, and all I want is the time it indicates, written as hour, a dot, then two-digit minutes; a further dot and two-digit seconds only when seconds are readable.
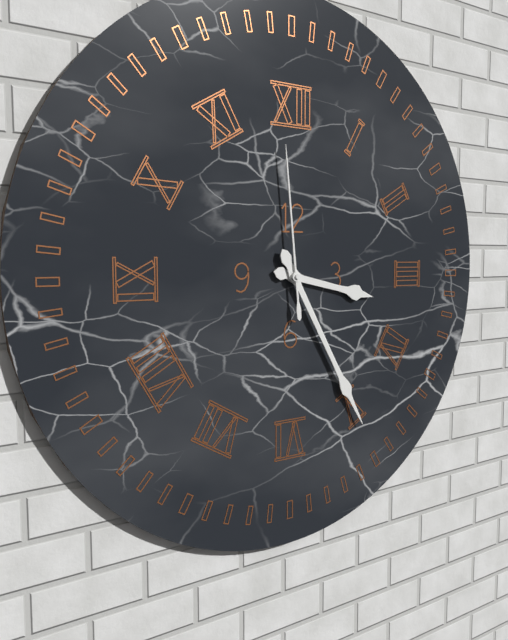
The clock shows 3.25.59
